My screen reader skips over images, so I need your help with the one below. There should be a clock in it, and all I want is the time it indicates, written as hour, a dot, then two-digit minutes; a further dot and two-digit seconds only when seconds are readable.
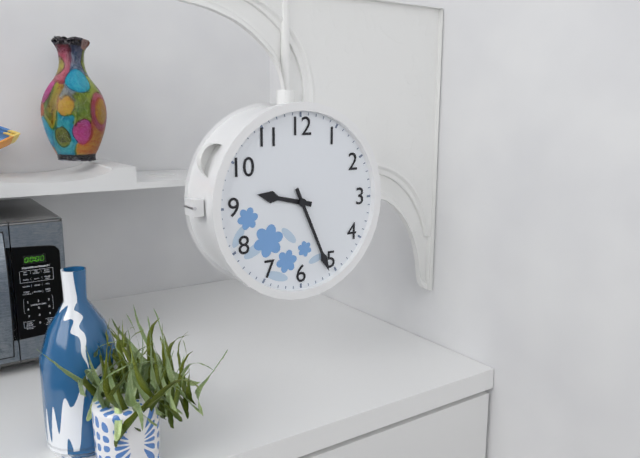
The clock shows 9.26
